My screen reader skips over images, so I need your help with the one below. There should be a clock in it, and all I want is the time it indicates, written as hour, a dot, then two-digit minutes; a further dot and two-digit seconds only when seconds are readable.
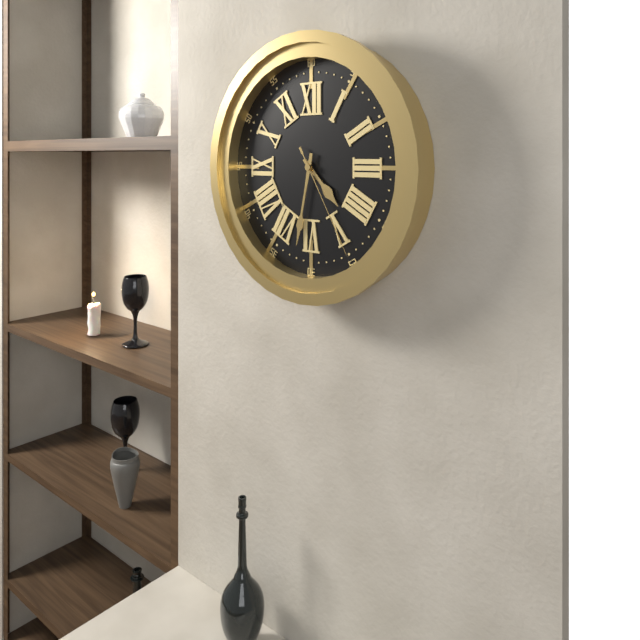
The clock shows 4.32.25
